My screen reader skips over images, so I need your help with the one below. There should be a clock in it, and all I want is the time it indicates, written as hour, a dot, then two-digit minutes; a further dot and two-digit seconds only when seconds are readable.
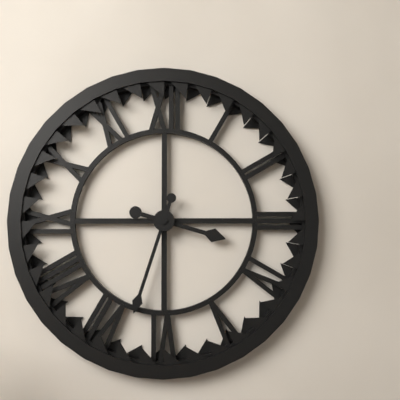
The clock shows 3.33
